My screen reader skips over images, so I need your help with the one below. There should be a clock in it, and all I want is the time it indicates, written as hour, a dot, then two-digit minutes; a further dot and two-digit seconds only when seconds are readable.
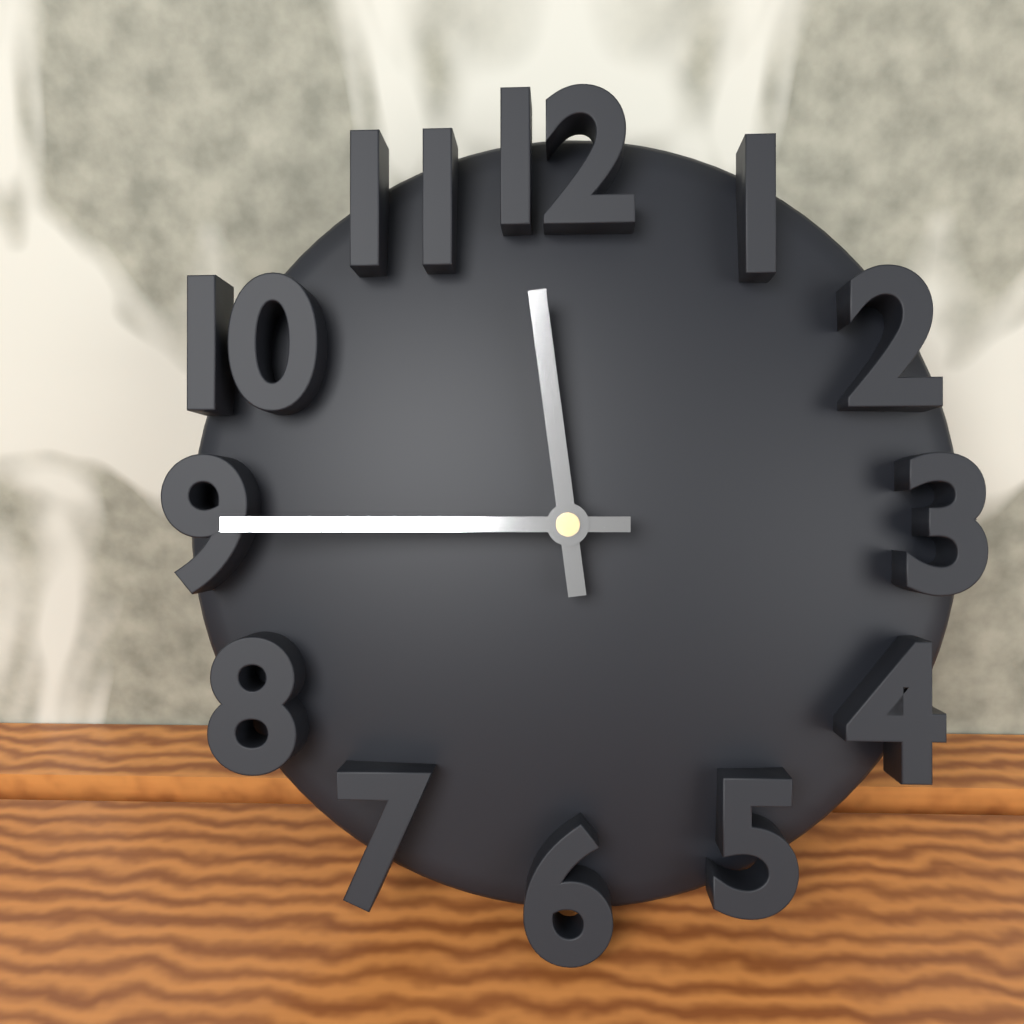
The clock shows 11.45
